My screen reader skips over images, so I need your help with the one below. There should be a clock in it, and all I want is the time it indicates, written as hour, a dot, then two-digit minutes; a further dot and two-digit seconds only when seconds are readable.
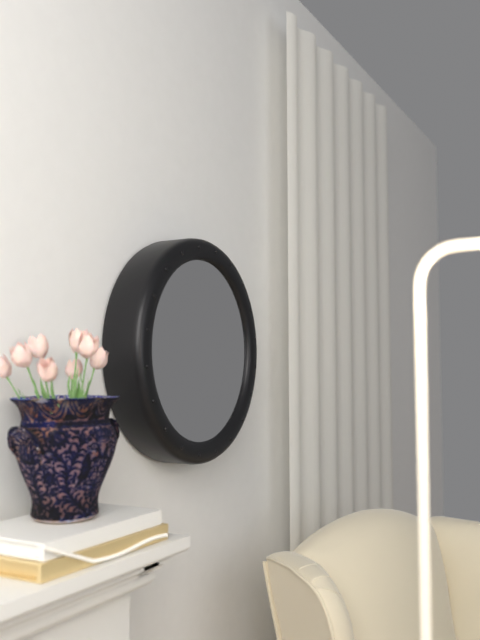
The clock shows 3.23
